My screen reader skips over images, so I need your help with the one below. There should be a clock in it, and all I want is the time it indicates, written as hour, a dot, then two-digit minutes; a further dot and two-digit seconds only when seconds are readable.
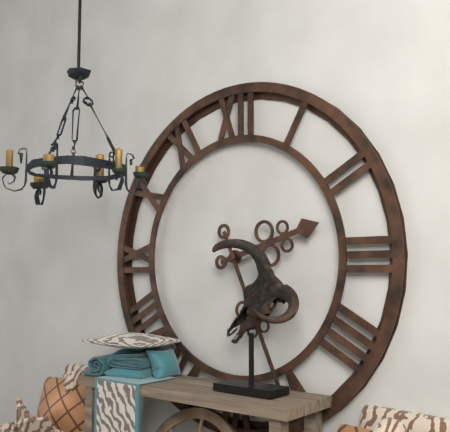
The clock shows 2.26
